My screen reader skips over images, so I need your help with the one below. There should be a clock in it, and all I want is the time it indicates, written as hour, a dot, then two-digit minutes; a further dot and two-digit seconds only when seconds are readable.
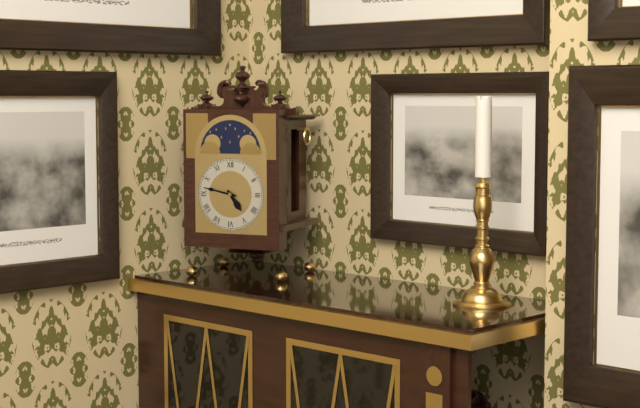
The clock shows 4.47
